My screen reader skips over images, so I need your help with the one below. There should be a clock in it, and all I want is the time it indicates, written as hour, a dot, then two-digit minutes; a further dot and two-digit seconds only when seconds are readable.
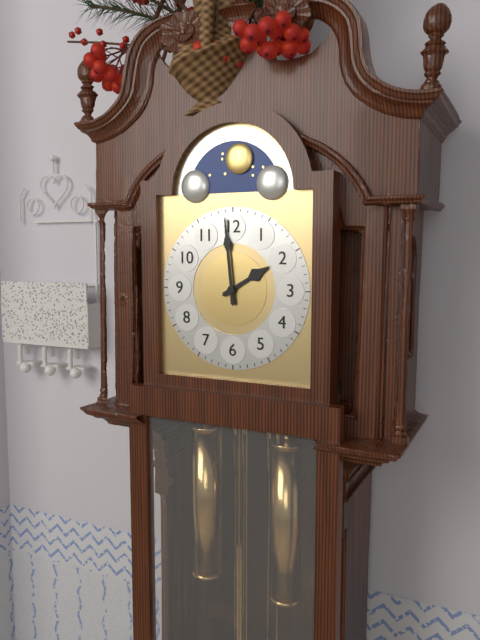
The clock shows 1.59
